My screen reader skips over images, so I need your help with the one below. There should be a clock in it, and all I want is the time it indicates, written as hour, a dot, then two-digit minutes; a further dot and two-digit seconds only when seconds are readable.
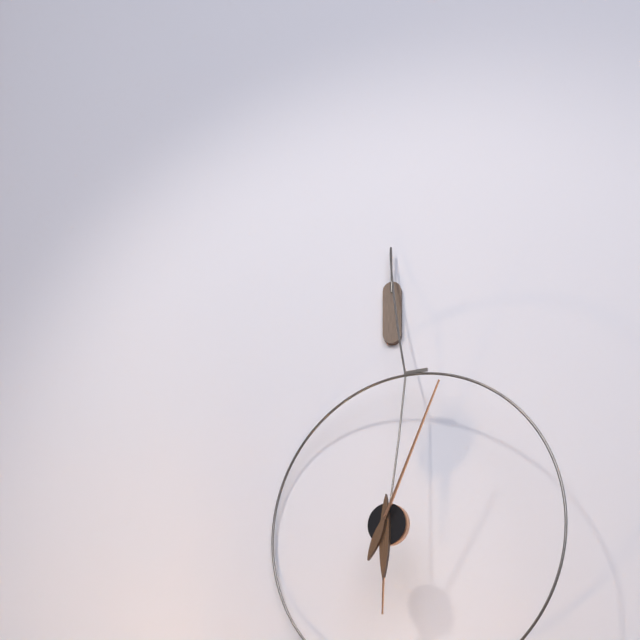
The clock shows 6.04
